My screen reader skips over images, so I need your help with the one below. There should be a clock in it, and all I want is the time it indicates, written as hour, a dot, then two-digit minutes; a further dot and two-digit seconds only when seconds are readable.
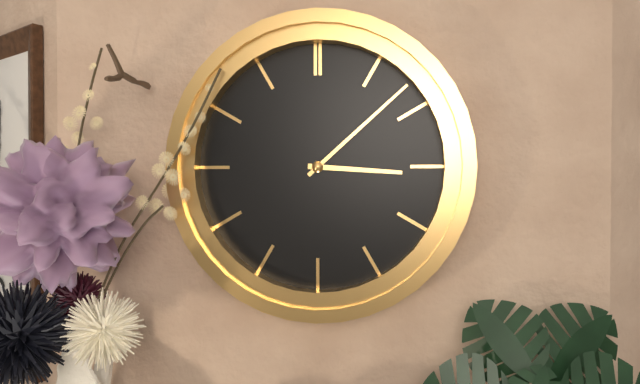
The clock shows 3.08
